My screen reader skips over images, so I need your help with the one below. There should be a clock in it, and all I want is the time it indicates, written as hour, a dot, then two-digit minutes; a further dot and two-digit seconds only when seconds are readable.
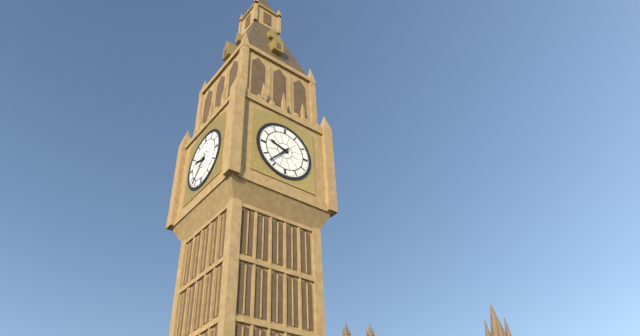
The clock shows 9.37
